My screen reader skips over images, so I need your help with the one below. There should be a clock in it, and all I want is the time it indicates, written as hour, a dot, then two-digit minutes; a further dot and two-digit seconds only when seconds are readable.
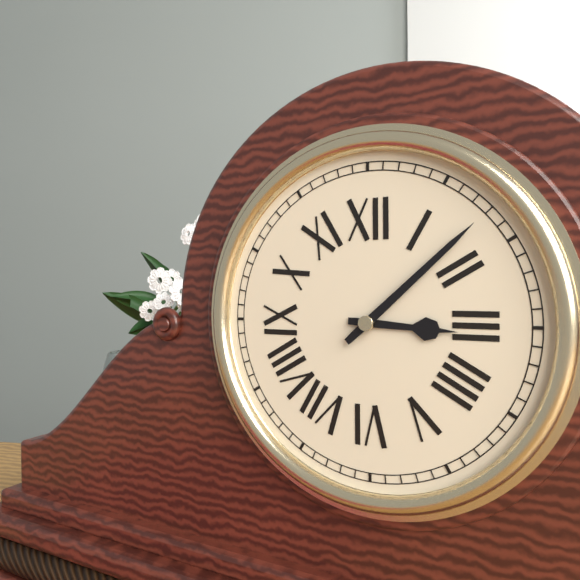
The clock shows 3.08
